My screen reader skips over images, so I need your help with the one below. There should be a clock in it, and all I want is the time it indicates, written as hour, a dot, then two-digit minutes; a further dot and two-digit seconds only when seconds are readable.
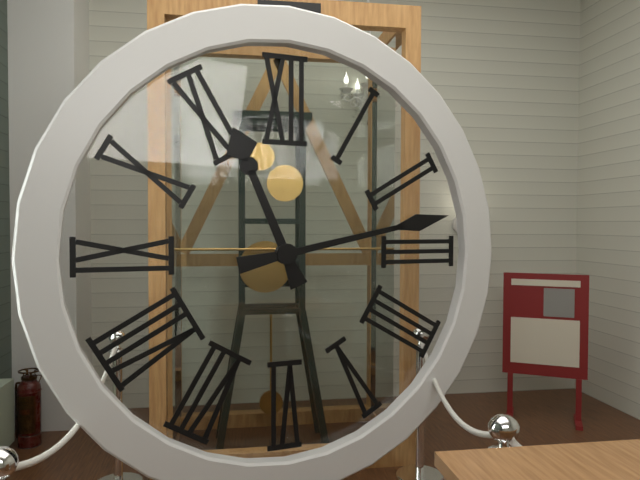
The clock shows 11.13
